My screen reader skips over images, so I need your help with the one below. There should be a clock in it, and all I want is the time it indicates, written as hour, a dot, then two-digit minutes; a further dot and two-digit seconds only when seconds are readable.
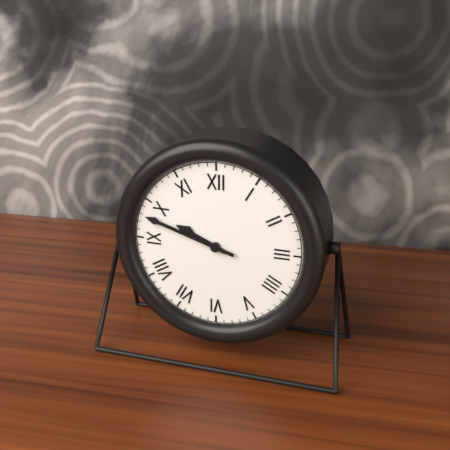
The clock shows 9.48
